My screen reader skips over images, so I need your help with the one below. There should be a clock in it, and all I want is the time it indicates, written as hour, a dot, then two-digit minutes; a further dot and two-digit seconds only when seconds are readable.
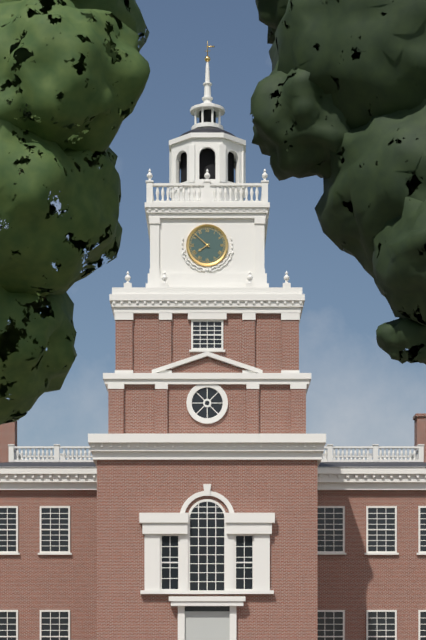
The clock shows 7.52
